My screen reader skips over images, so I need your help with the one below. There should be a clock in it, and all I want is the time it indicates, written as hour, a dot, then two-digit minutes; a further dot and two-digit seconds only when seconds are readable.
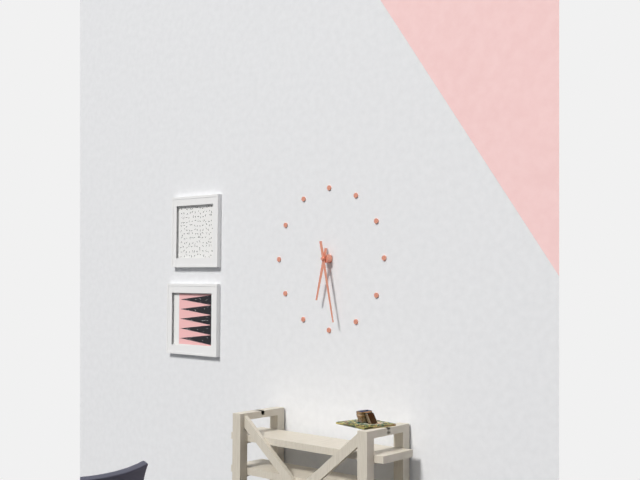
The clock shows 6.28
